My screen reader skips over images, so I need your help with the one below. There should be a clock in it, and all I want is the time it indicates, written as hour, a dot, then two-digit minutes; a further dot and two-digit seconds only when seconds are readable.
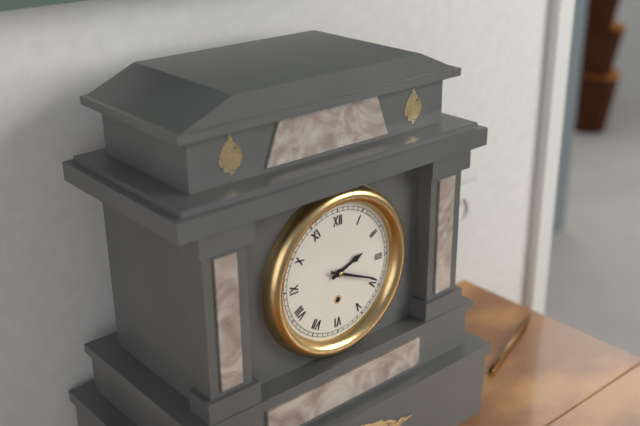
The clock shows 2.19
